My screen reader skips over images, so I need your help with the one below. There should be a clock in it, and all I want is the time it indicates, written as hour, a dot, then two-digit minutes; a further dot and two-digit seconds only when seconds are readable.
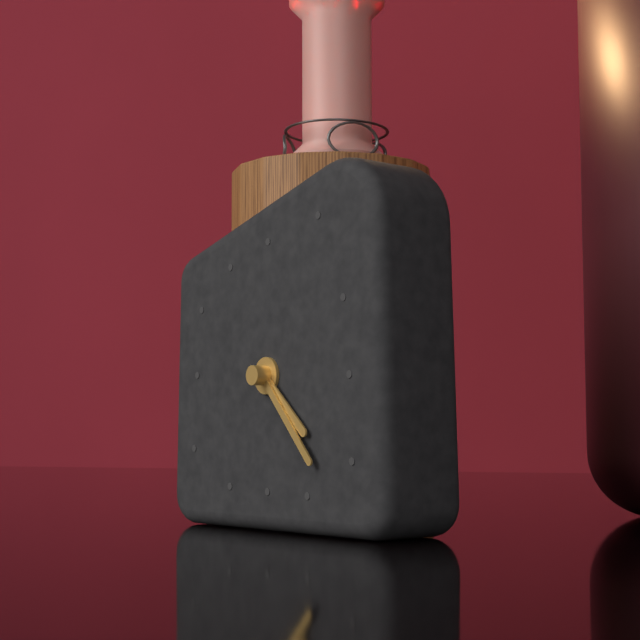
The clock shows 4.23
